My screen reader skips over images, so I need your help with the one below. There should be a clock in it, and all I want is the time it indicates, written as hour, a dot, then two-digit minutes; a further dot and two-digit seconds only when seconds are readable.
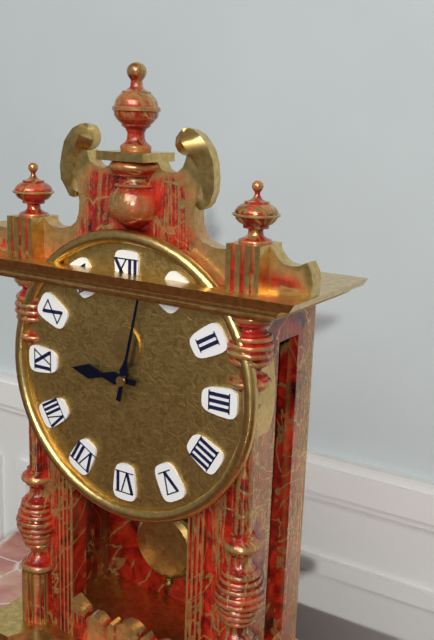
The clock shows 9.02
